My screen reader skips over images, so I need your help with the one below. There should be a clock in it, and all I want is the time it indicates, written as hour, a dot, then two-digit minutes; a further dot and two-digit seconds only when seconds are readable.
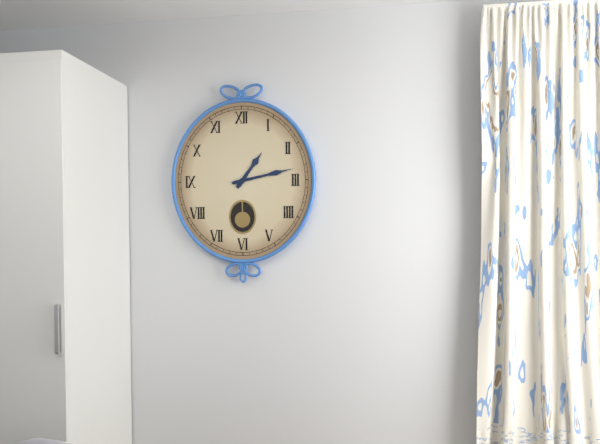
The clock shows 1.13
